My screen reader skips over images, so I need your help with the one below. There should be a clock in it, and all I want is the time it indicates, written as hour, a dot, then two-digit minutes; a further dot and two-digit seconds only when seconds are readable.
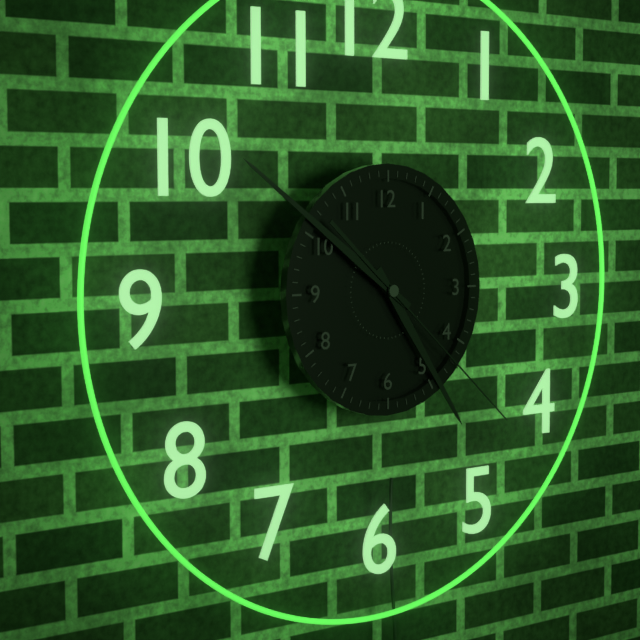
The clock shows 4.51.22
